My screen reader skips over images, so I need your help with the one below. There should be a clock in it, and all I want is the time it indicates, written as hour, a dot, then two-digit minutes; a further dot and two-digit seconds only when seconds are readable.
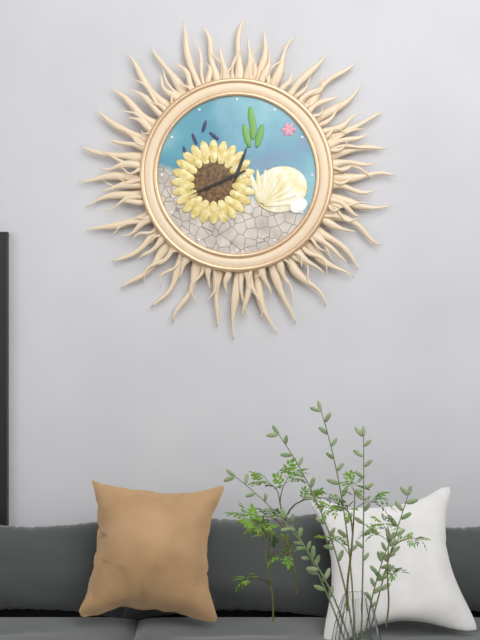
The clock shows 12.41
